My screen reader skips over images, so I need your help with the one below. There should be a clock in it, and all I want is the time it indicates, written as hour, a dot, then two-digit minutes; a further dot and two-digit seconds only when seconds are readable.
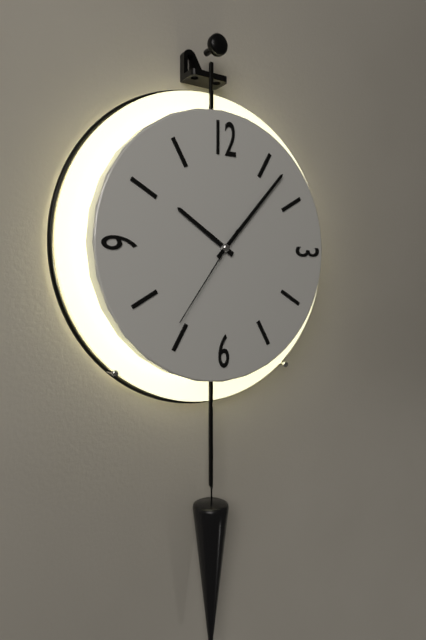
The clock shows 10.07.36
